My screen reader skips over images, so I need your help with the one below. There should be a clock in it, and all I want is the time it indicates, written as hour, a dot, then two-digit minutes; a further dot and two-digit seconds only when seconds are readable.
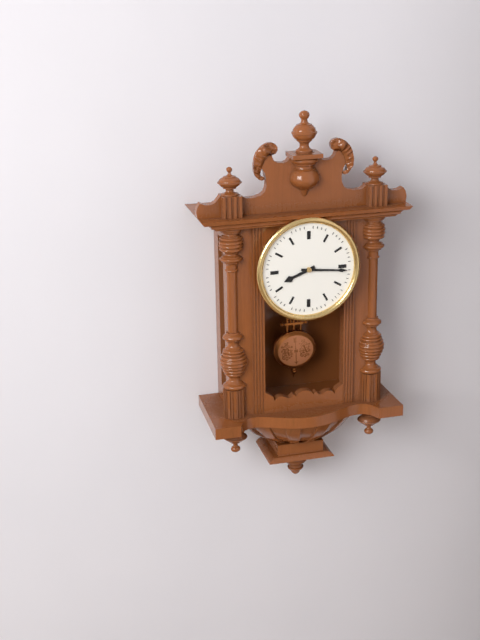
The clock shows 8.16
